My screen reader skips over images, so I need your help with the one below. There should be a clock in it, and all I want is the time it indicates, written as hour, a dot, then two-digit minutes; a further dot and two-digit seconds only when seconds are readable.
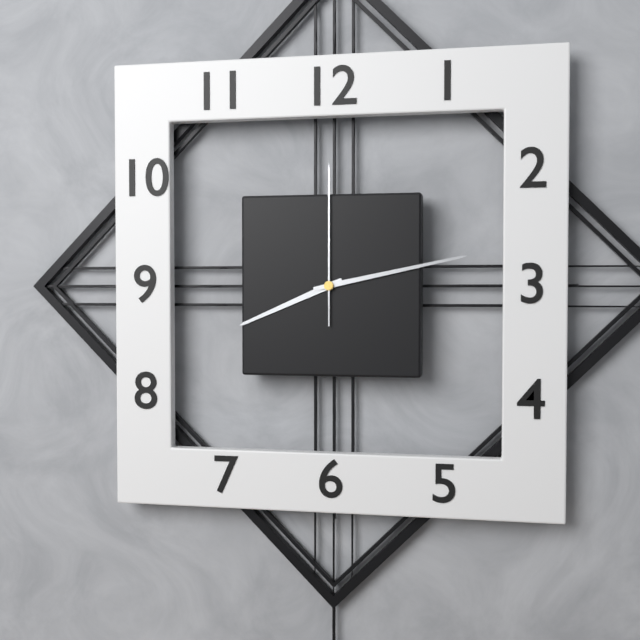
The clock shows 8.13.00
